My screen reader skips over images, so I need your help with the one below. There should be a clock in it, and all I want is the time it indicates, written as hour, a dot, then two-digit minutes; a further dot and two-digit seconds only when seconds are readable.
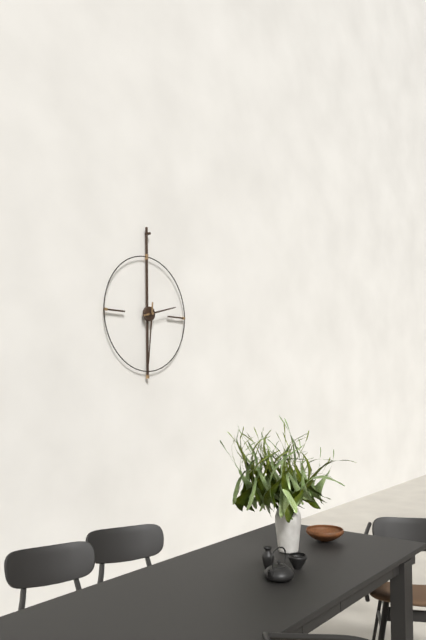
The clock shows 2.31
